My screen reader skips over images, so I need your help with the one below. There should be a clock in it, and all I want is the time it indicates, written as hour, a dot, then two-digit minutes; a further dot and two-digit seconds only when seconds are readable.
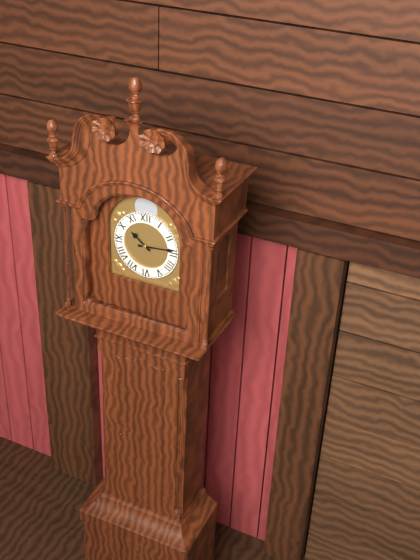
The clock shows 10.14
